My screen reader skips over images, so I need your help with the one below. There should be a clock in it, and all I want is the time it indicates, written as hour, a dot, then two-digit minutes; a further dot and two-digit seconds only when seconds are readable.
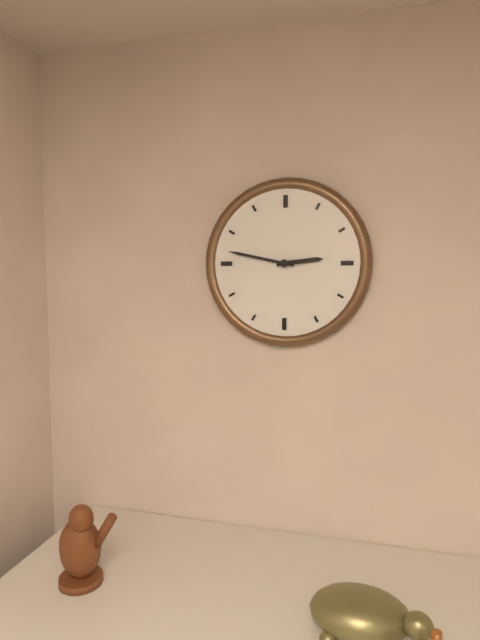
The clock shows 2.47
